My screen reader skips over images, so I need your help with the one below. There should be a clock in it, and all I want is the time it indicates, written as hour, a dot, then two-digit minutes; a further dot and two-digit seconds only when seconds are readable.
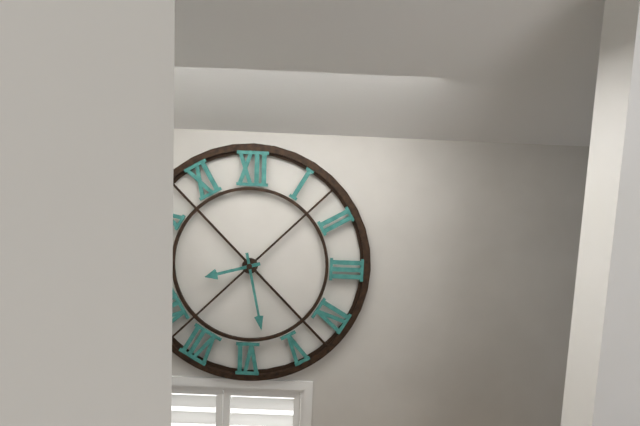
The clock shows 8.28
